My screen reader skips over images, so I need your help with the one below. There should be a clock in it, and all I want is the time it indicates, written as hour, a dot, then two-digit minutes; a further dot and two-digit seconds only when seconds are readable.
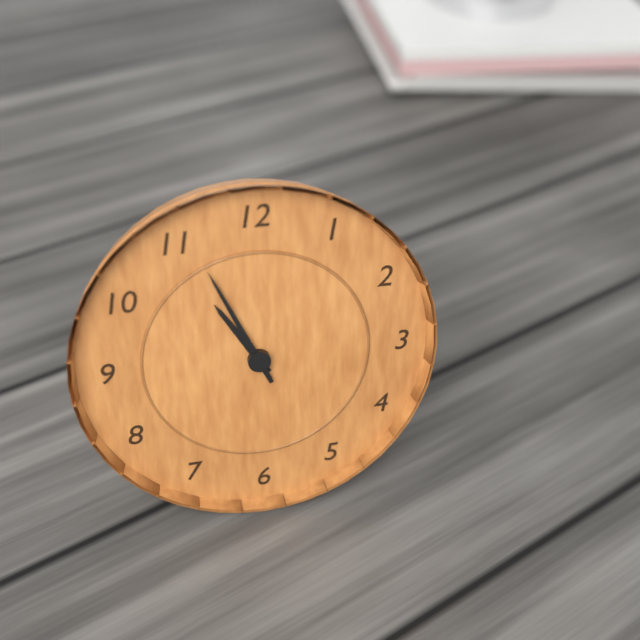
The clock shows 10.56
